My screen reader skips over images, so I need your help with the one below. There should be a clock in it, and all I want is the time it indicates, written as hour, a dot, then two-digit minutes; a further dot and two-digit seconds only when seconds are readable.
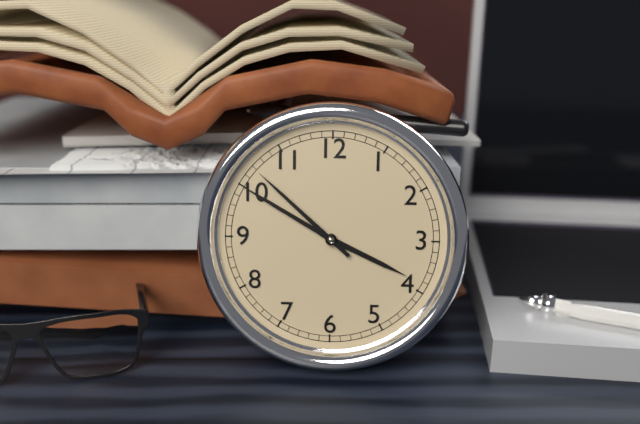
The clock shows 3.50.52
